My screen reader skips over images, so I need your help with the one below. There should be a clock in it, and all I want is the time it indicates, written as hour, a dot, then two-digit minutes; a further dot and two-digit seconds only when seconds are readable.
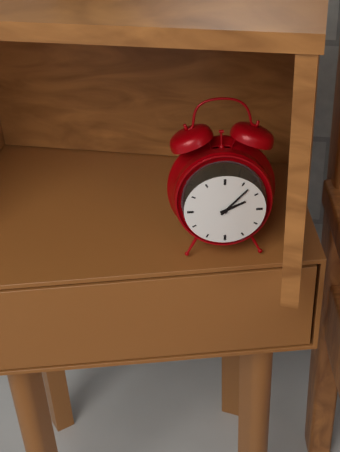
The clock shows 2.07
